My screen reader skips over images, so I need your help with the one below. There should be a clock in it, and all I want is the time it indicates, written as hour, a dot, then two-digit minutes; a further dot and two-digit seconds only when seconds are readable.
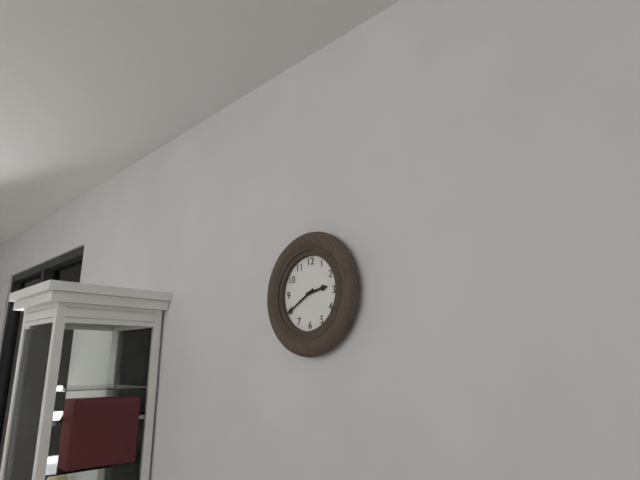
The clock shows 2.40
